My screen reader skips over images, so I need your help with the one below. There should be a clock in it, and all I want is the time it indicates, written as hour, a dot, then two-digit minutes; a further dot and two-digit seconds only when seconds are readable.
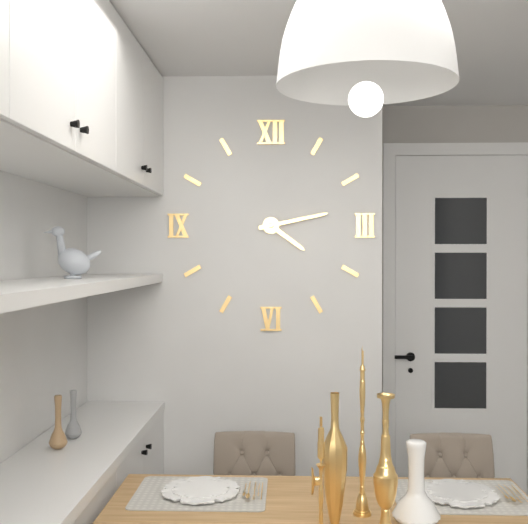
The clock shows 4.13
